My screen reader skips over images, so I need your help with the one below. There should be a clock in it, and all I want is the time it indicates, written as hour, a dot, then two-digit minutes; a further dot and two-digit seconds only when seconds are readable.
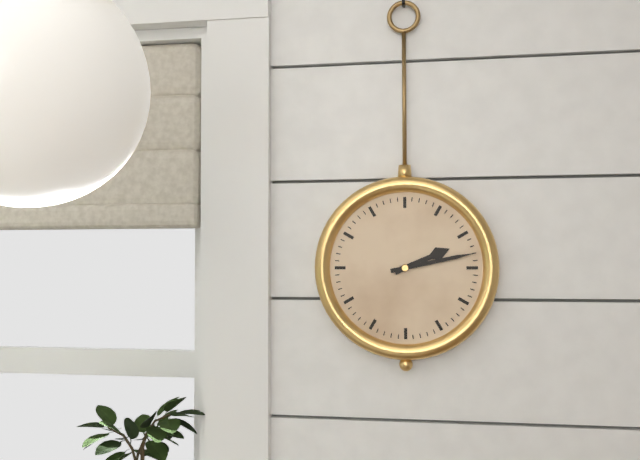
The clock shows 2.13
